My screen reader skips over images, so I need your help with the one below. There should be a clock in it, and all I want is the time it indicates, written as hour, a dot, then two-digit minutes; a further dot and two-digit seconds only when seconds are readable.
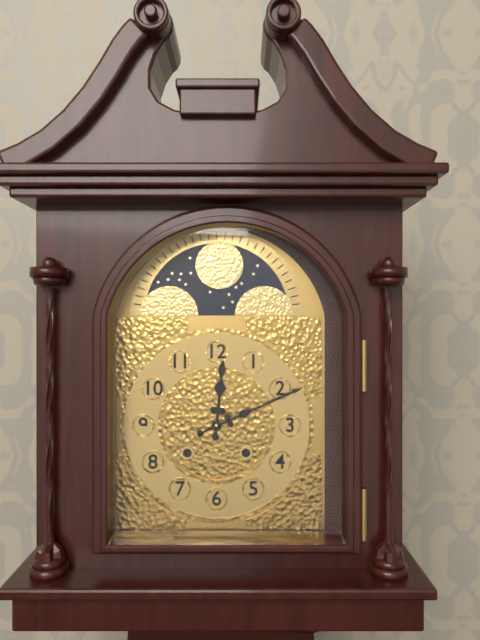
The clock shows 12.11
